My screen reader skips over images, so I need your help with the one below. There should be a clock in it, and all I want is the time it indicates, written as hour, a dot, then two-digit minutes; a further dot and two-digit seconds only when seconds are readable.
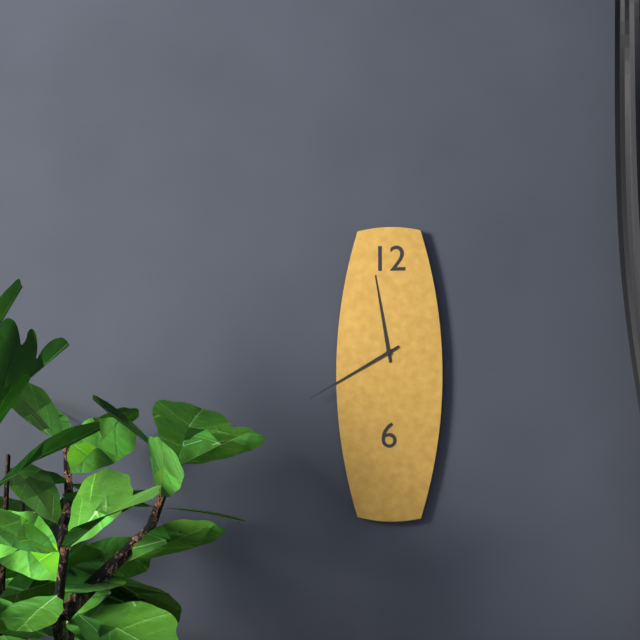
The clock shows 11.40
